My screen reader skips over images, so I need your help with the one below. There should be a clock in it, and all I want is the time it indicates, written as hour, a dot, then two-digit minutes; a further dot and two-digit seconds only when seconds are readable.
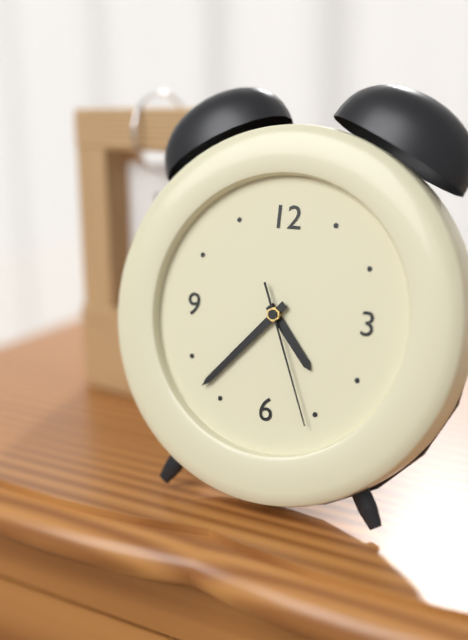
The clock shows 4.37.26
